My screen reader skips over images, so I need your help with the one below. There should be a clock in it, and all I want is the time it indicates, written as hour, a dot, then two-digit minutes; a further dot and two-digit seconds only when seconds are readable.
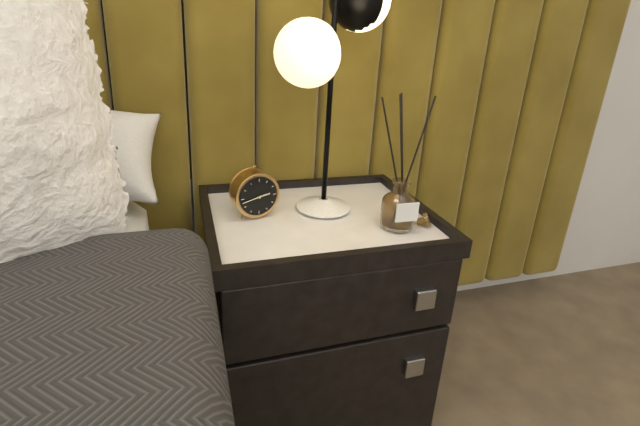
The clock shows 2.43
